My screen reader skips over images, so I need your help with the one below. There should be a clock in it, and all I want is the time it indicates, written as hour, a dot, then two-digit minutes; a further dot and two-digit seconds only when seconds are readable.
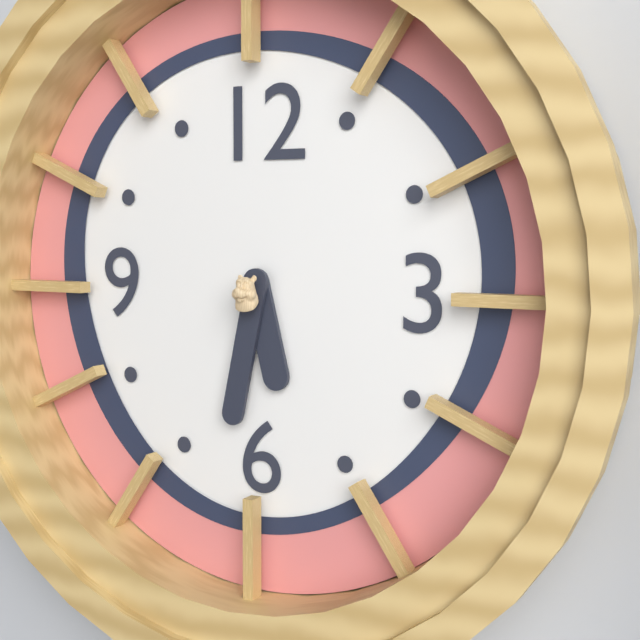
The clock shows 5.32
